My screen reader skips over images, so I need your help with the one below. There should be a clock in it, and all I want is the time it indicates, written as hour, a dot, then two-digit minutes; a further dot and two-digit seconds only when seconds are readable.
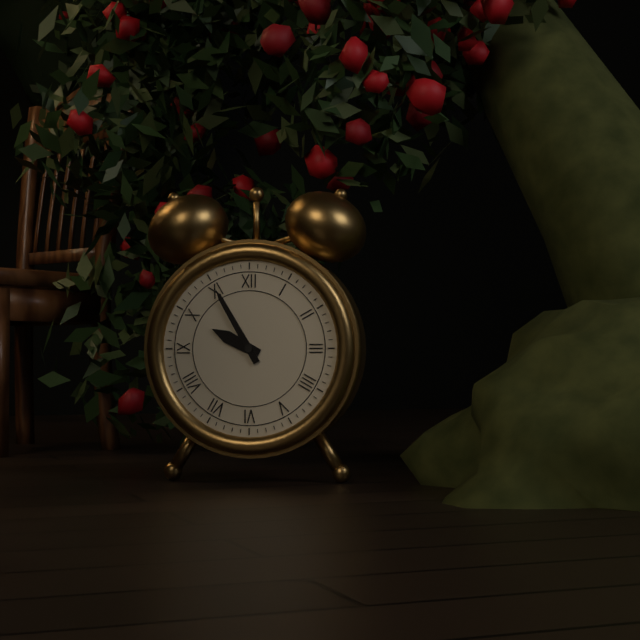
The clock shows 9.55
